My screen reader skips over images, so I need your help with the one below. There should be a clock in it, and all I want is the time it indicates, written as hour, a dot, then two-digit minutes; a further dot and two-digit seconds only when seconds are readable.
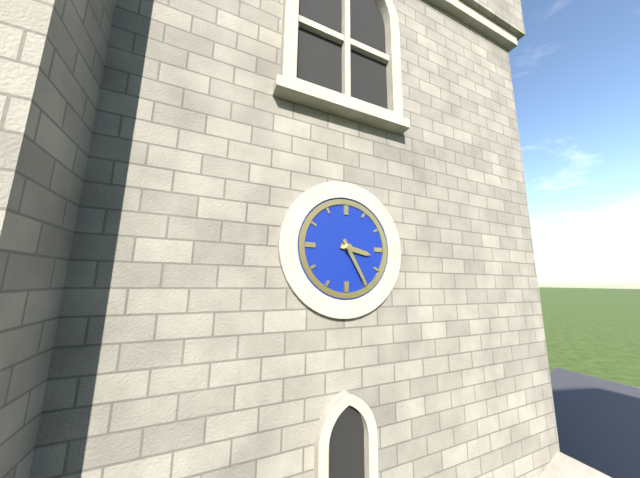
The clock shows 3.25
